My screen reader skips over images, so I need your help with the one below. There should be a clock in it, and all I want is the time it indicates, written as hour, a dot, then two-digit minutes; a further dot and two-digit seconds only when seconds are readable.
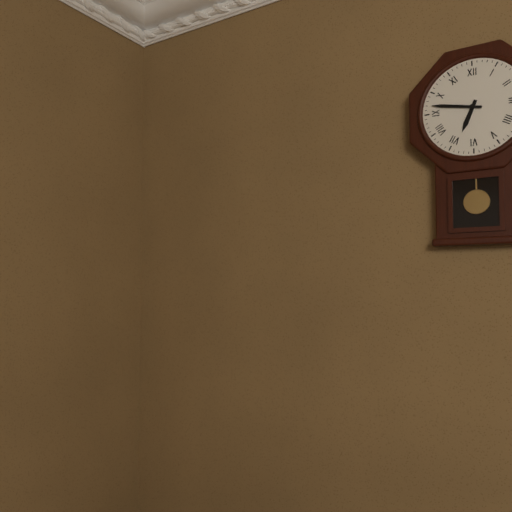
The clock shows 6.47
